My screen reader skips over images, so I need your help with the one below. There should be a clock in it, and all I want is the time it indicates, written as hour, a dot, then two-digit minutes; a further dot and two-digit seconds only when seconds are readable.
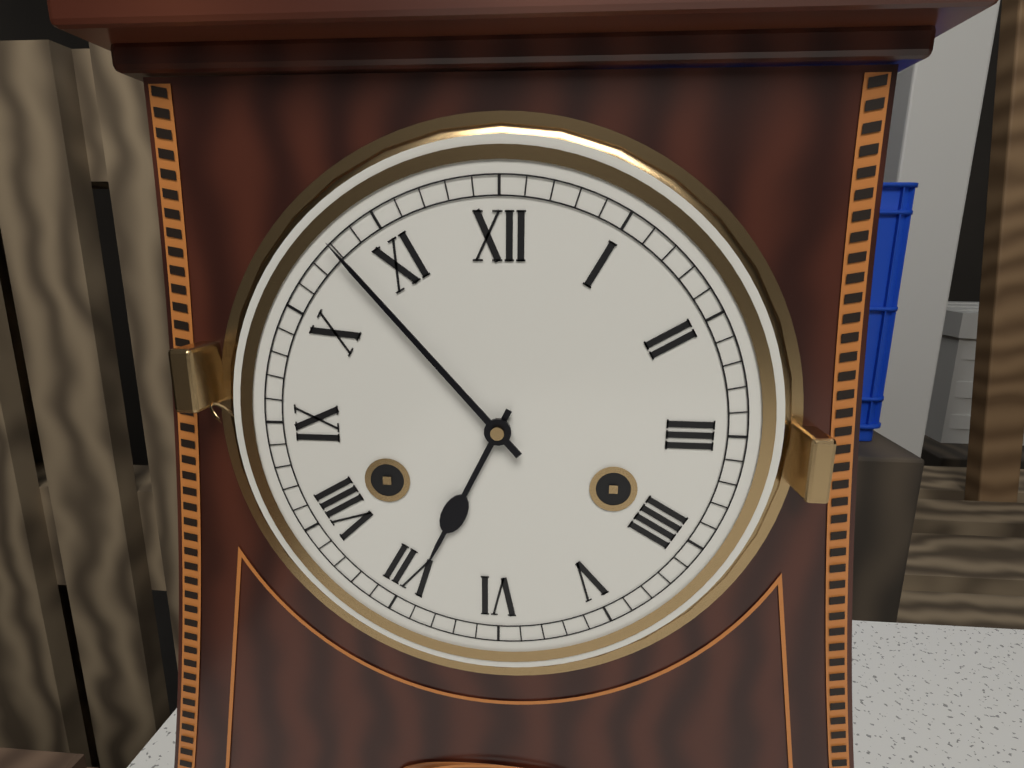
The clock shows 6.53
